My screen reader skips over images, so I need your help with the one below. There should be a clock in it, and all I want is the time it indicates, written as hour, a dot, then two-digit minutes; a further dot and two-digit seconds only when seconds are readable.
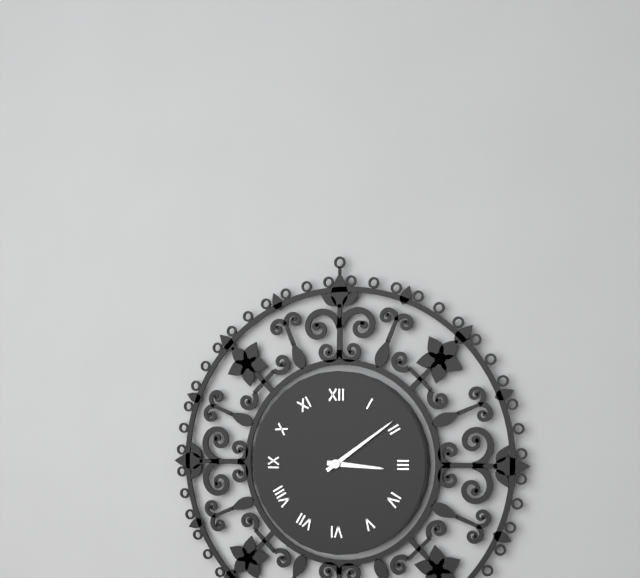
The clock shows 3.09
